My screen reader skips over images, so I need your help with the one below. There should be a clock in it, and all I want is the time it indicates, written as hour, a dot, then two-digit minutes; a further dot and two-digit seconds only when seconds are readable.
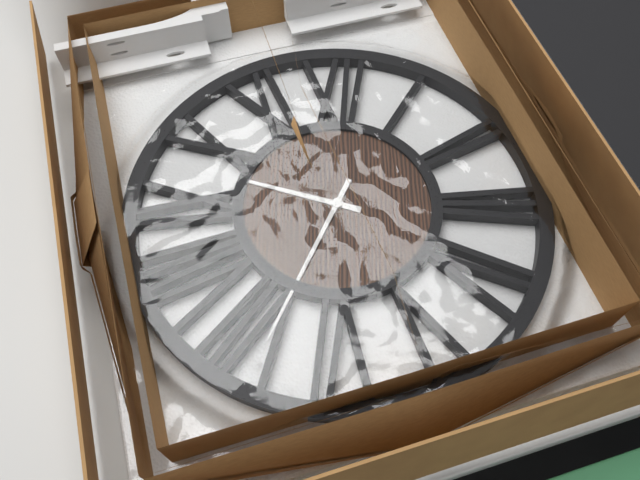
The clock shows 9.34
